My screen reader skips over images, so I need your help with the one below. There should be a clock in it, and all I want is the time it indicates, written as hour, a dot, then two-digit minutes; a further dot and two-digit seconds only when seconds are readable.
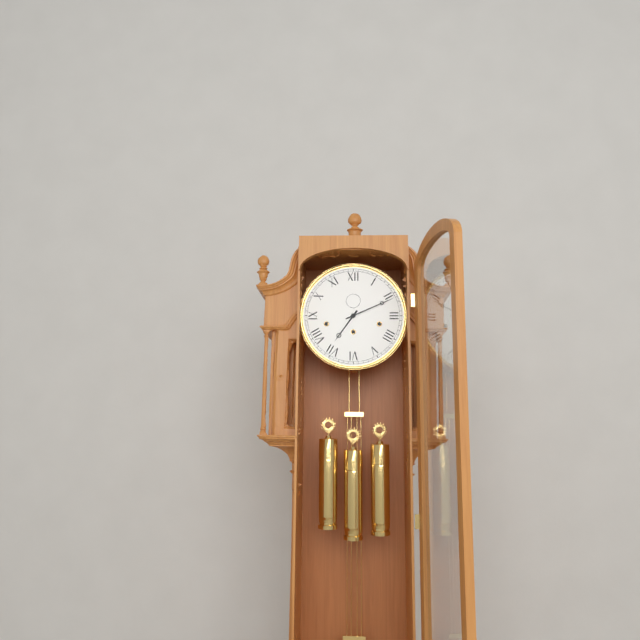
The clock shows 7.11
